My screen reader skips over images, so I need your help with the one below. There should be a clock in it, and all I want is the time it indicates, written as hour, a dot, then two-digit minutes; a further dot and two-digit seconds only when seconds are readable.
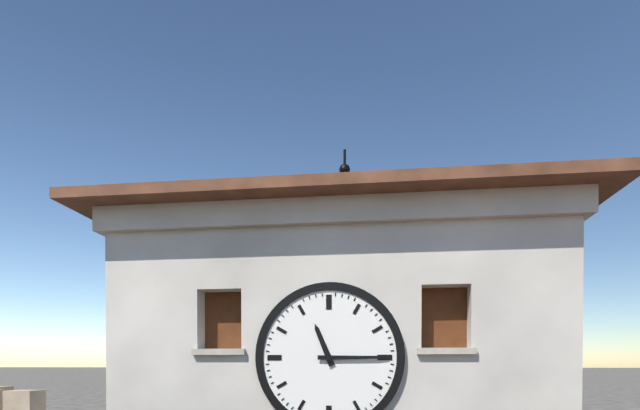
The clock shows 11.15
